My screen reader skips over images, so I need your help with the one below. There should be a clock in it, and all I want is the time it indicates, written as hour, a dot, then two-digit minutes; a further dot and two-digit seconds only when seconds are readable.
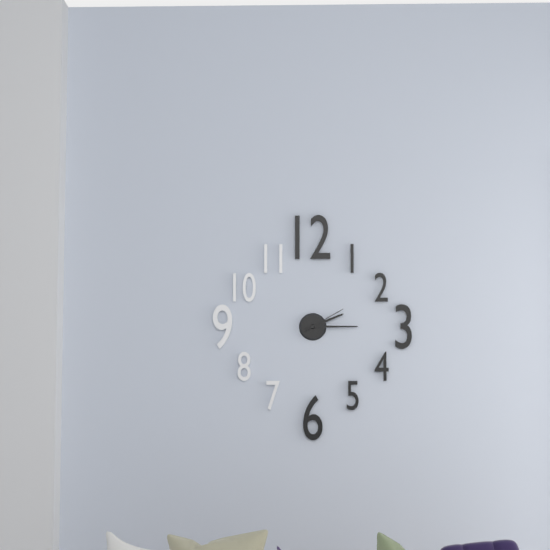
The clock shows 2.15
